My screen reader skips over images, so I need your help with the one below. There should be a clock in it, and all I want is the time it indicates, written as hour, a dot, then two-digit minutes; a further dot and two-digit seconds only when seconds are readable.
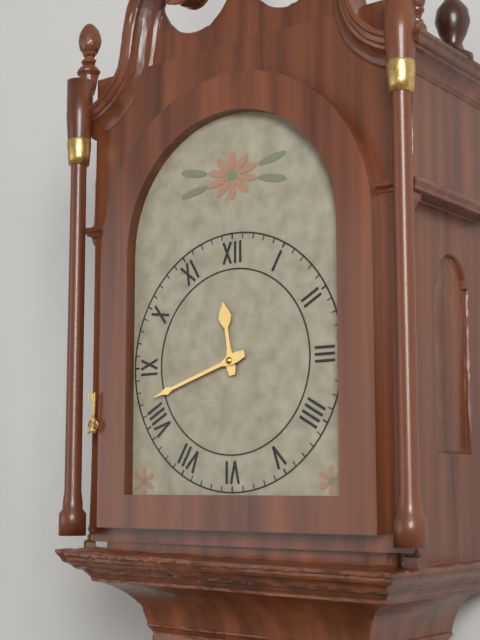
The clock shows 11.42
